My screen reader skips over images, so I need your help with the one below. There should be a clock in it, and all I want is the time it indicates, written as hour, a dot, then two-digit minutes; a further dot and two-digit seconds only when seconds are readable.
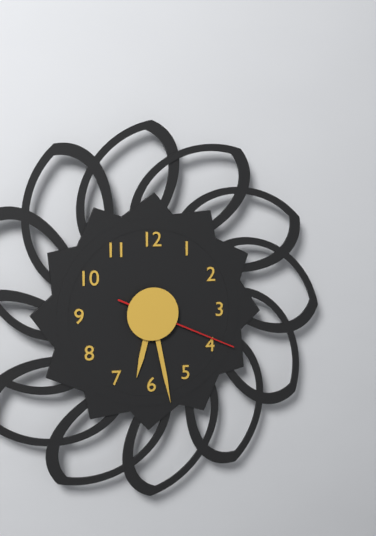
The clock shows 6.28.19
